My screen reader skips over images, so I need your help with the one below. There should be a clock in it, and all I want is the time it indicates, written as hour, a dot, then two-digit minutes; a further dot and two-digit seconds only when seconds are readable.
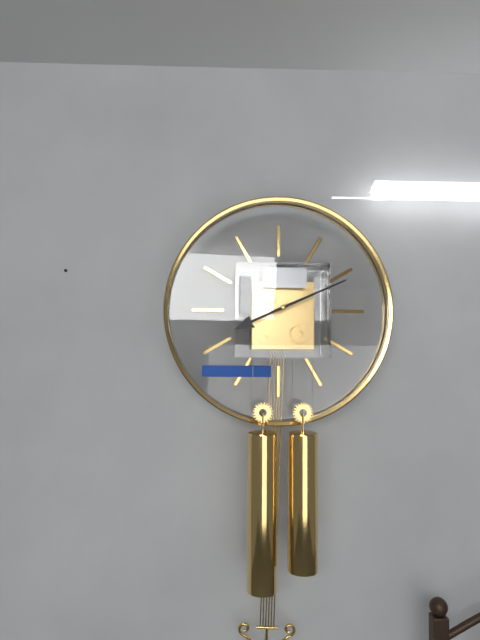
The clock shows 8.11
